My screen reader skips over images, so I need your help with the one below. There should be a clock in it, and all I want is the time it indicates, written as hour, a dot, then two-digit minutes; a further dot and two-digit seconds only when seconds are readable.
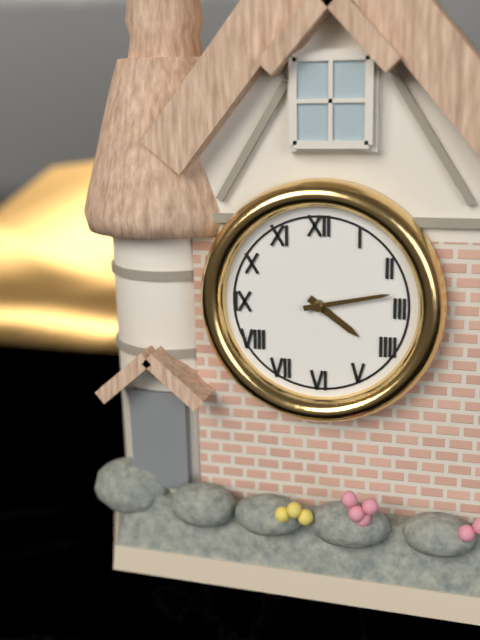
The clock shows 4.13
